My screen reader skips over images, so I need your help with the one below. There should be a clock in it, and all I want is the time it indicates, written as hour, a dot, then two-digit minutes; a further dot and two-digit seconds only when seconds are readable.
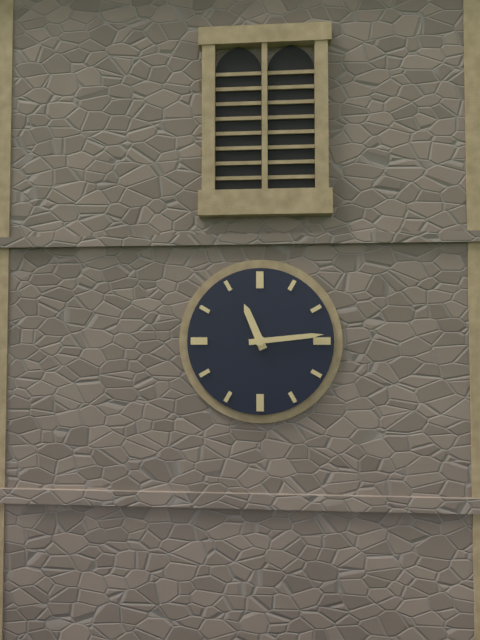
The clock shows 11.14
